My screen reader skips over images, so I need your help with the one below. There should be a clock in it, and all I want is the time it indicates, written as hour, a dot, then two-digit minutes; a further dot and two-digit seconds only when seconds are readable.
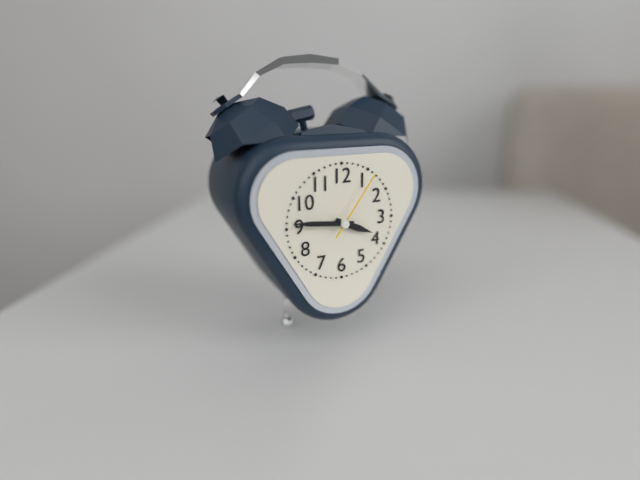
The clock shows 3.46.06
